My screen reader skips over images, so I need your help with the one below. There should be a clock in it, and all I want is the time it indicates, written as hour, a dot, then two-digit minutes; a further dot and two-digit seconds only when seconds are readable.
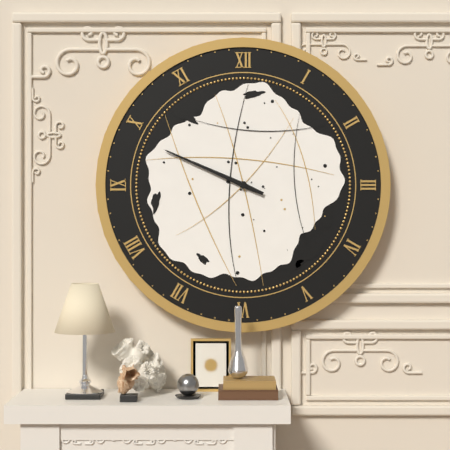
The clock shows 9.49
